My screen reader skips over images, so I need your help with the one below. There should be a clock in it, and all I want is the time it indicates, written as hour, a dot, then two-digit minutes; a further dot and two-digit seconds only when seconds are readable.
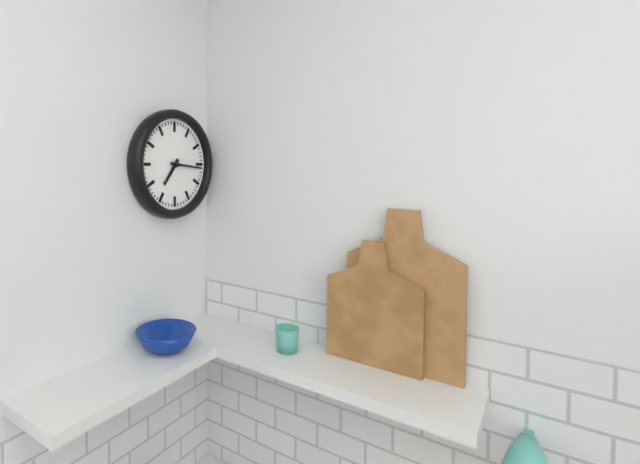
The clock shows 7.16
